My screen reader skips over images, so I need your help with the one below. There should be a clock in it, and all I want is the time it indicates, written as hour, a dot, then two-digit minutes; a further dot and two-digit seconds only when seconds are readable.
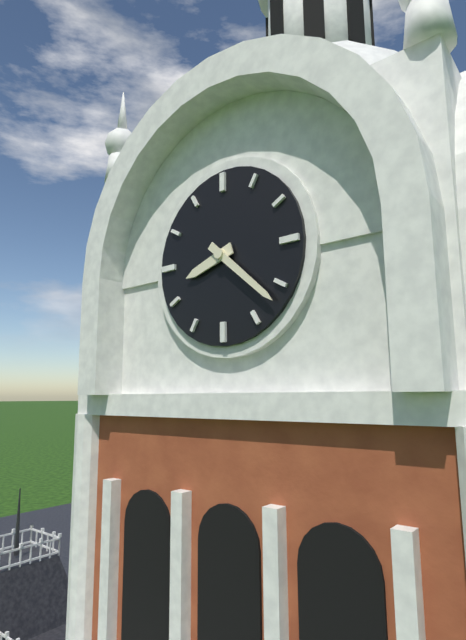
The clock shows 8.22
